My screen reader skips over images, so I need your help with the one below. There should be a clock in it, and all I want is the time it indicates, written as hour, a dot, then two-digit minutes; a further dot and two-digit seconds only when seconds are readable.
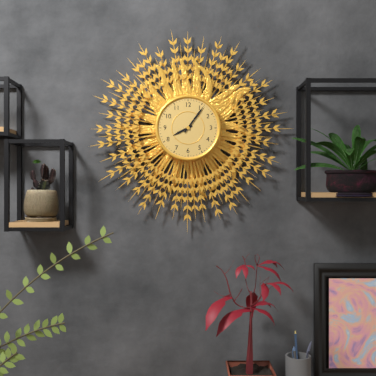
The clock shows 8.06
